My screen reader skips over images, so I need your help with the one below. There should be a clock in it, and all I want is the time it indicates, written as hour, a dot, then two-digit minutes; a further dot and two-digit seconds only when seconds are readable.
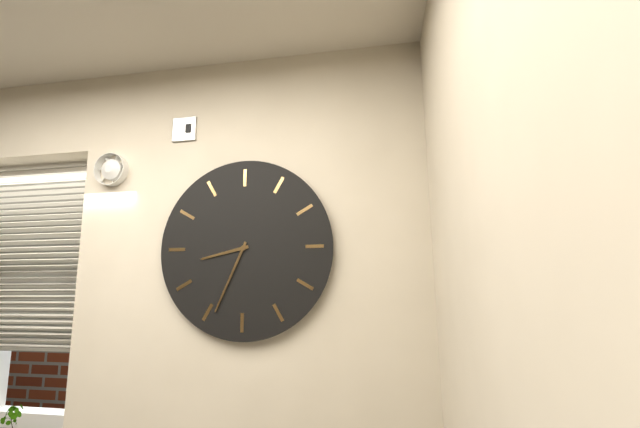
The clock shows 8.34
